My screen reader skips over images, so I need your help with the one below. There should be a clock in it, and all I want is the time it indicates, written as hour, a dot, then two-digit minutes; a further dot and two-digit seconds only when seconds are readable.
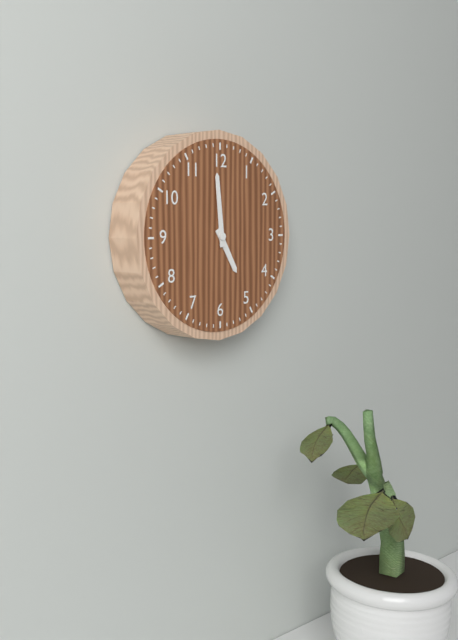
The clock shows 4.59
